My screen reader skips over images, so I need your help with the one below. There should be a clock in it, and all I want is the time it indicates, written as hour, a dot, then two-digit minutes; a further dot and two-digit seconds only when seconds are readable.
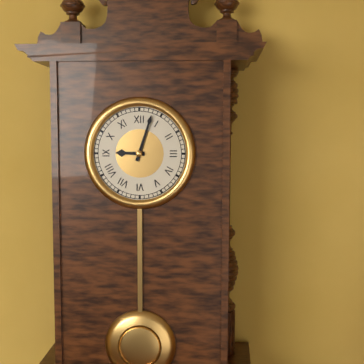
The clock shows 9.03
